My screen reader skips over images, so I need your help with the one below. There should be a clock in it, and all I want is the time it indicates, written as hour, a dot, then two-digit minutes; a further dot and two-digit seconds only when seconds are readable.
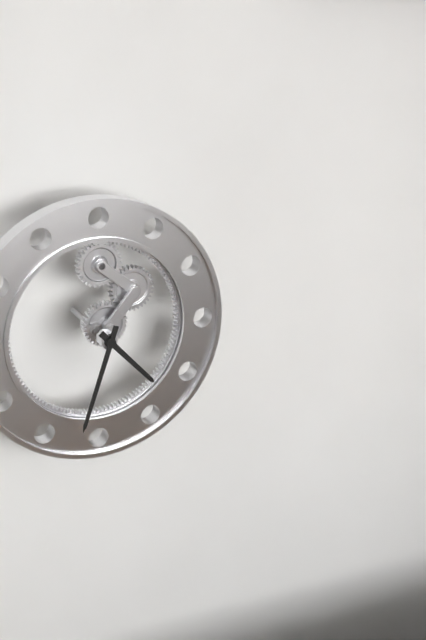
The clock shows 4.33
